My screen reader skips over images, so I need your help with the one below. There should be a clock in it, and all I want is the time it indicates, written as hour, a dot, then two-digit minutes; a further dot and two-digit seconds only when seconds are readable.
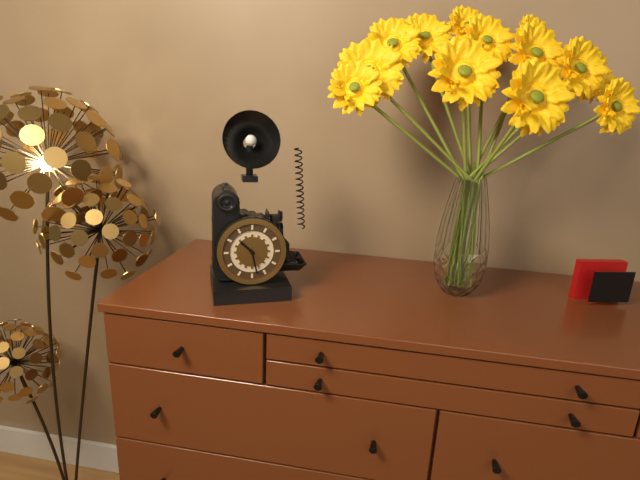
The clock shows 10.28
